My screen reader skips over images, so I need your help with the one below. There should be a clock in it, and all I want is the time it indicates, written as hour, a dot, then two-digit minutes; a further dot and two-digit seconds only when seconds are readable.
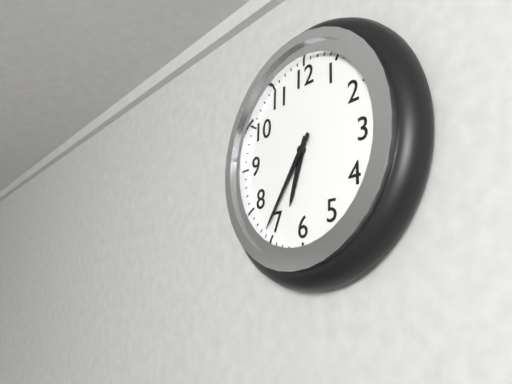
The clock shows 6.36
